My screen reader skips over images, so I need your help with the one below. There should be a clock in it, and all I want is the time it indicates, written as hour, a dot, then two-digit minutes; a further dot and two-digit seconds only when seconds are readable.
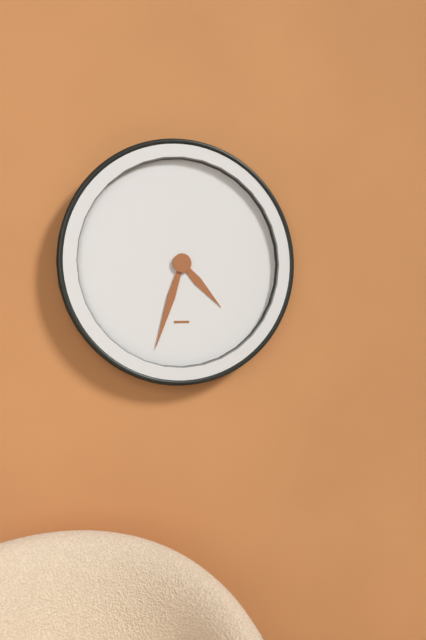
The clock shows 4.33
